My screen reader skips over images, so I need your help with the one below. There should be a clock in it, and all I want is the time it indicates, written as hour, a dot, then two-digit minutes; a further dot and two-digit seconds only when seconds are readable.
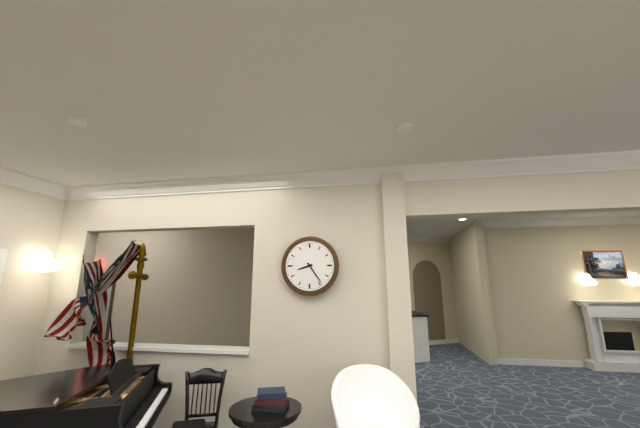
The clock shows 8.24
